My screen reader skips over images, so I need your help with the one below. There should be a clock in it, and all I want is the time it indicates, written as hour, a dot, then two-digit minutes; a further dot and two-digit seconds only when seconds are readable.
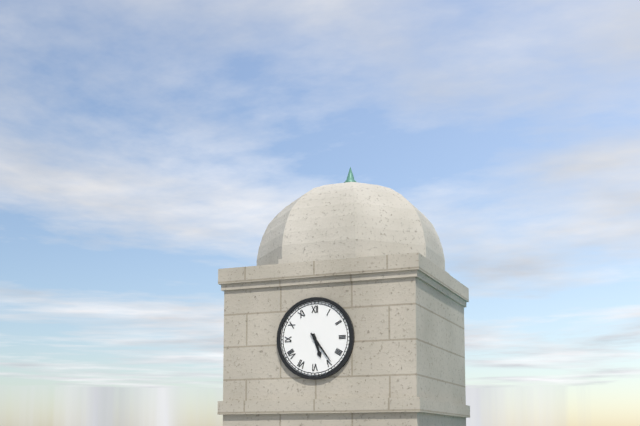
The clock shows 5.24
